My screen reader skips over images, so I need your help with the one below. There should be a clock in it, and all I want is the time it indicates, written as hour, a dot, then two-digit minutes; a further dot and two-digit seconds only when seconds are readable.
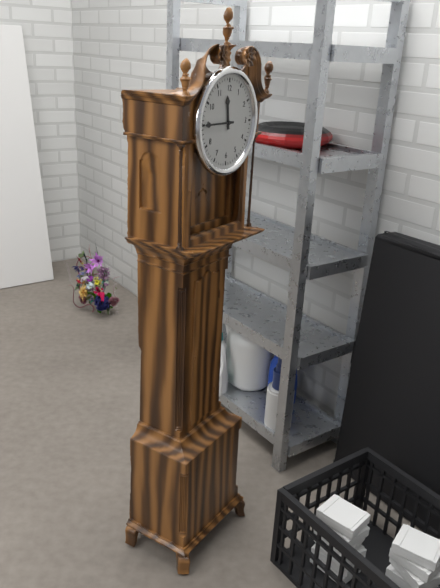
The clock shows 11.45
